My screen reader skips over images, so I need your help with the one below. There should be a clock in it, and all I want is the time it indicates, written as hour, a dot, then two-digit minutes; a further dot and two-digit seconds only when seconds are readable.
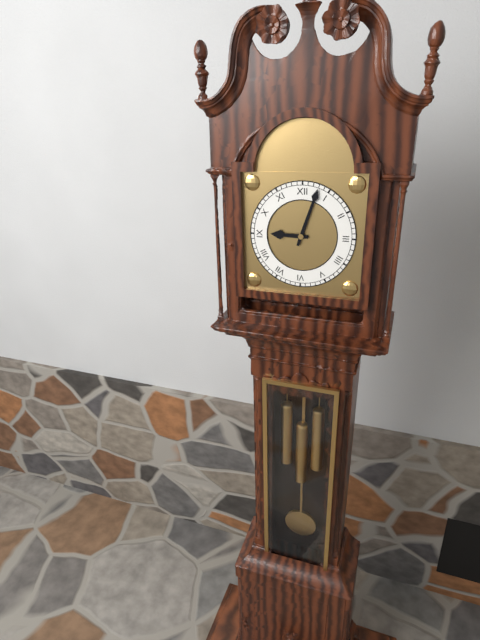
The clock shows 9.03
